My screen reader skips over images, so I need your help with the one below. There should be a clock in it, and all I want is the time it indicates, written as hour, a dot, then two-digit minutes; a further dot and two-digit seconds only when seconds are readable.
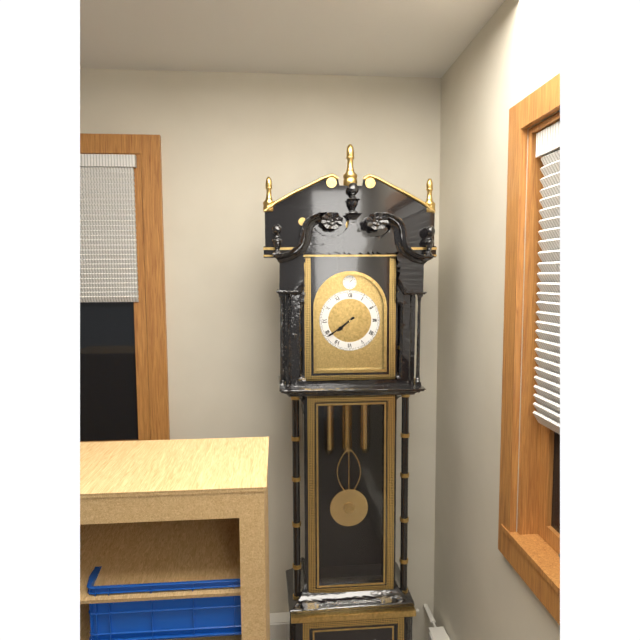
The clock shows 7.39
